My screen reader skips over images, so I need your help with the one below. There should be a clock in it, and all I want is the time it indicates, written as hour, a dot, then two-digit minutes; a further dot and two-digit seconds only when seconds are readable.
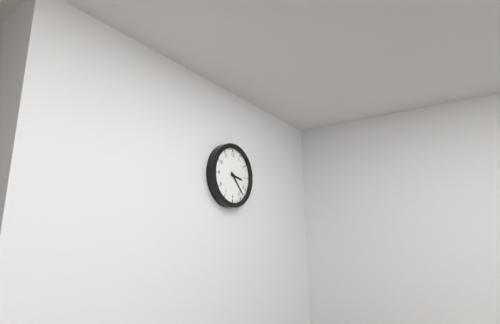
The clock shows 3.23
